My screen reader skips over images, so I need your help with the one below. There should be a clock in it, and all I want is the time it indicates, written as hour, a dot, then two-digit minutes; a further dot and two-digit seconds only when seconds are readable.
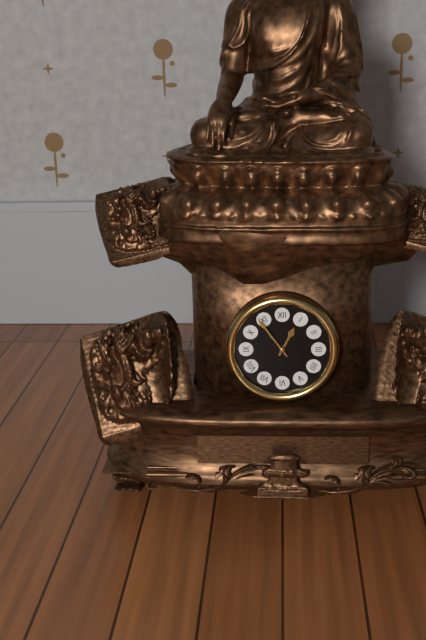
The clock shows 12.54
